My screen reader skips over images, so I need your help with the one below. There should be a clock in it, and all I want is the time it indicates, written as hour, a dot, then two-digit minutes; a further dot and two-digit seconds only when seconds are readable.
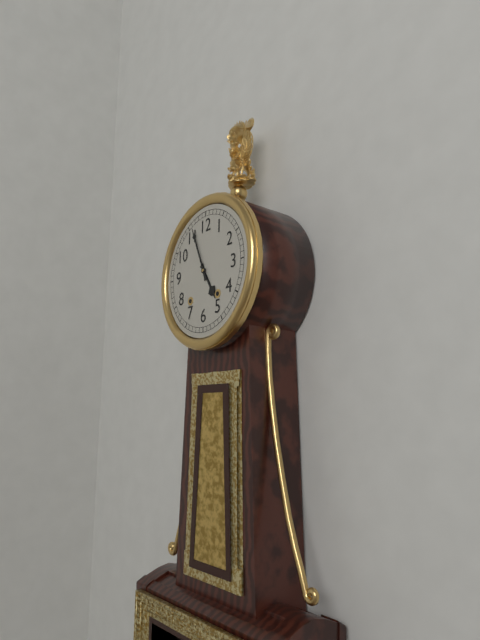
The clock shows 4.56
